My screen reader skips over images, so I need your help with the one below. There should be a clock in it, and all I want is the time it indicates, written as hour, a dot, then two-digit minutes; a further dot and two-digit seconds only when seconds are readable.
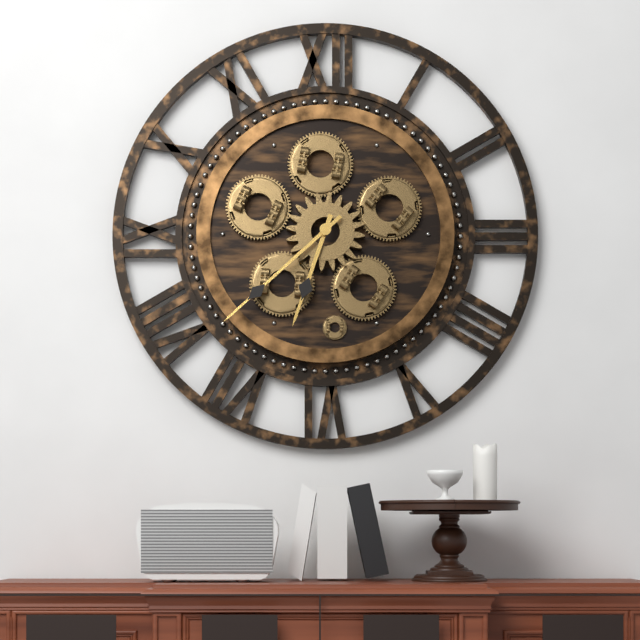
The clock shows 6.38
